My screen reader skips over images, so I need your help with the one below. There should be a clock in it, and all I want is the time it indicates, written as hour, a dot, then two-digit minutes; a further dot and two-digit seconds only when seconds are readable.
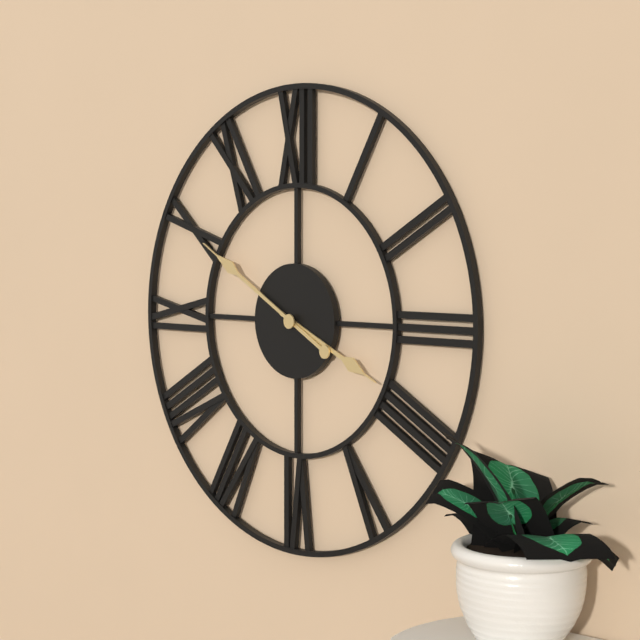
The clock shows 3.50
